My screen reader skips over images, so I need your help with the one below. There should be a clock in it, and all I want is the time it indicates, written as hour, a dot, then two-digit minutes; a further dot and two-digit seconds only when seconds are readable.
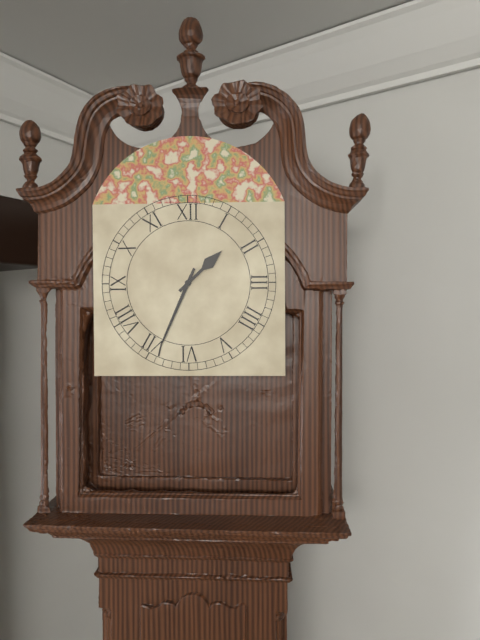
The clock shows 1.34
